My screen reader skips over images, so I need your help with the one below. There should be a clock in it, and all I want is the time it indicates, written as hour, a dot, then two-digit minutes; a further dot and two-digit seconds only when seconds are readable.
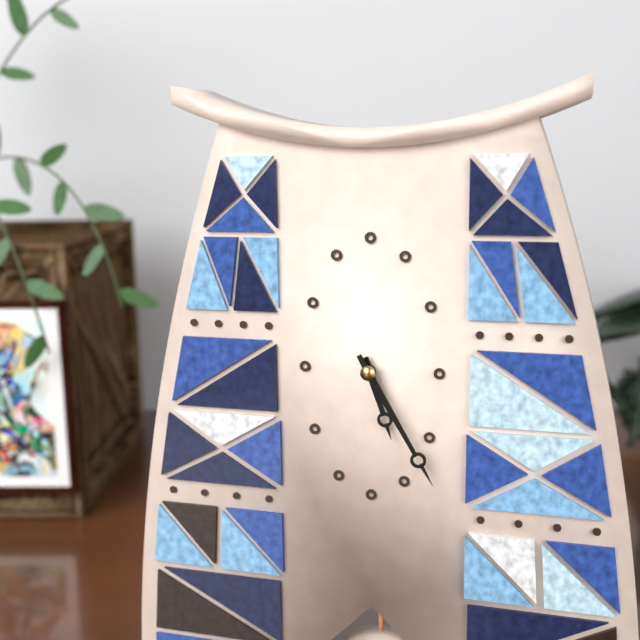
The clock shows 5.25
